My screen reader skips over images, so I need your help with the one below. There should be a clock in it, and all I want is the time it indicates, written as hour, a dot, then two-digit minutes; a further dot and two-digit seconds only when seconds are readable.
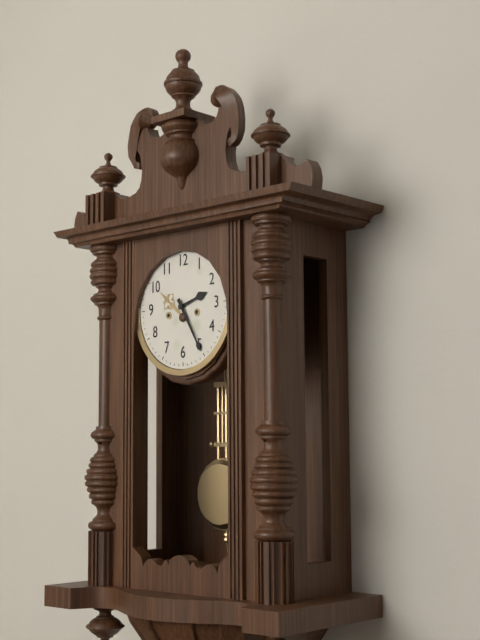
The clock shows 2.25
